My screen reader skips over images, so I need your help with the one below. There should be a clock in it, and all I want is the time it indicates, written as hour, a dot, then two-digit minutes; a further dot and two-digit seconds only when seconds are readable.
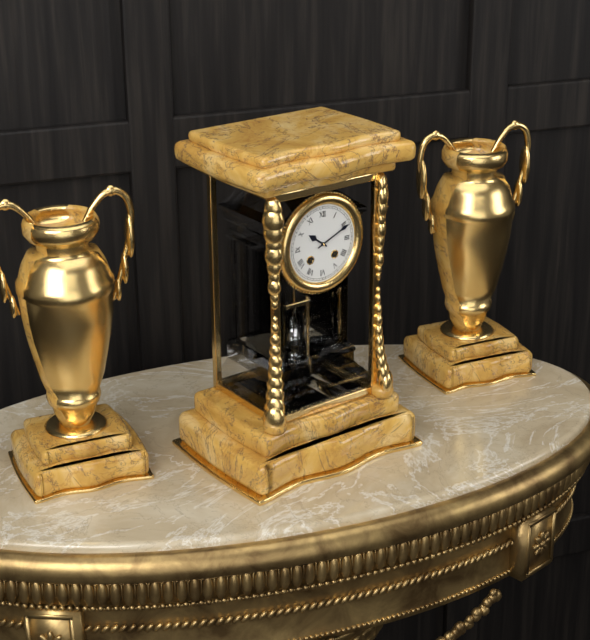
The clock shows 10.11
